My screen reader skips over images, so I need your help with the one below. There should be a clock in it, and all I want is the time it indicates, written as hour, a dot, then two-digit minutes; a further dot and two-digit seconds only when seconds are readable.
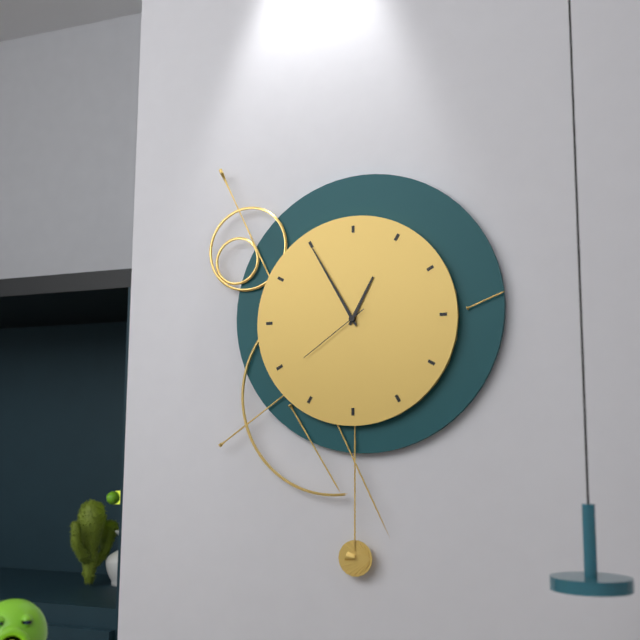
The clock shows 12.55.39
